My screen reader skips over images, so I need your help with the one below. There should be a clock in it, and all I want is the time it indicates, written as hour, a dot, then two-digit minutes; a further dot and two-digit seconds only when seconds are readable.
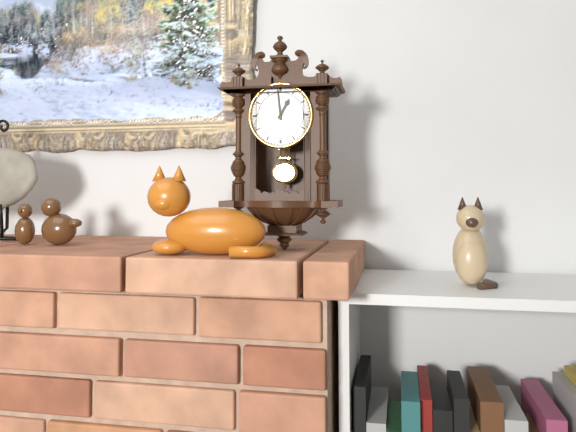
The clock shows 12.59
